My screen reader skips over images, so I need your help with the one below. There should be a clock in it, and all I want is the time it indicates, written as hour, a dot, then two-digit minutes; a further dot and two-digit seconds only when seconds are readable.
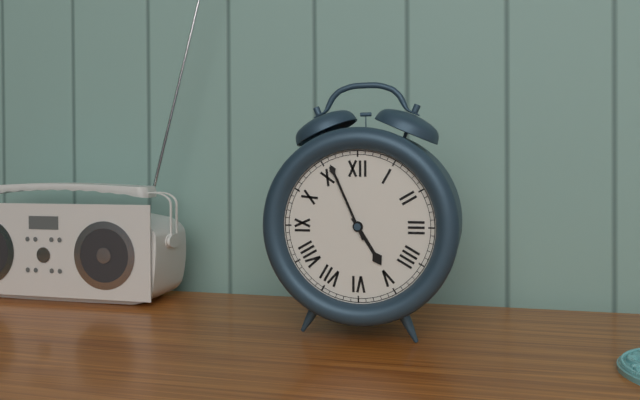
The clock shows 4.56
